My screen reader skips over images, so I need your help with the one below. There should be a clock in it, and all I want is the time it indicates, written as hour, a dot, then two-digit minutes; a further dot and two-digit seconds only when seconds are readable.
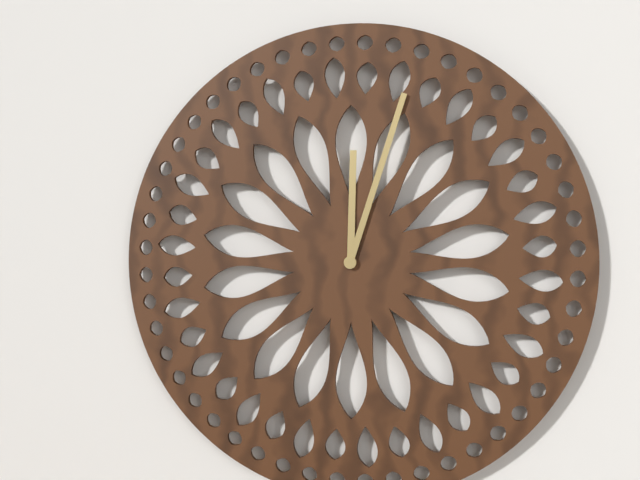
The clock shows 12.03
